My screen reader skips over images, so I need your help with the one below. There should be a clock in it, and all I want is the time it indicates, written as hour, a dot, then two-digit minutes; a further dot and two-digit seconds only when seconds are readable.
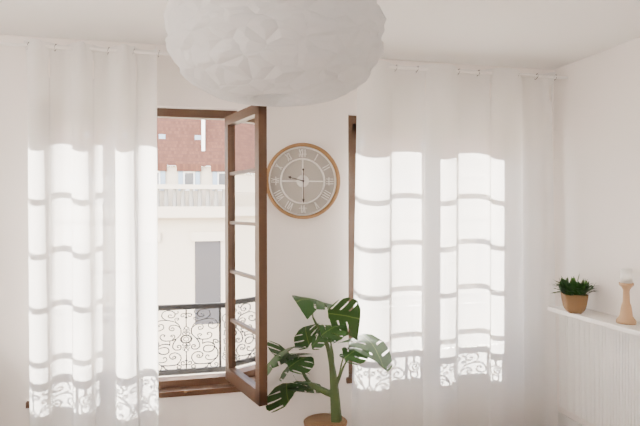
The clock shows 9.30
